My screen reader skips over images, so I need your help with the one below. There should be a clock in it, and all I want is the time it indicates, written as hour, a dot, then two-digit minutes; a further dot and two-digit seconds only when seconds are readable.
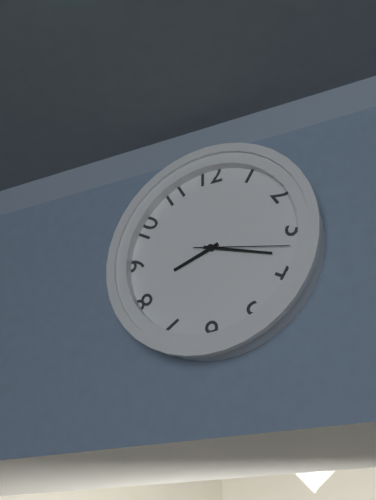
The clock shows 8.18.17
